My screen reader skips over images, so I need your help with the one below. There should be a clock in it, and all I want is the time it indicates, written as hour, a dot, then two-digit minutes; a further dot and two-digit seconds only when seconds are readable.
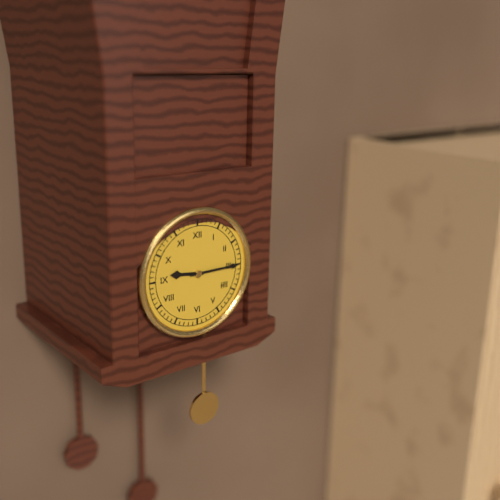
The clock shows 9.15
